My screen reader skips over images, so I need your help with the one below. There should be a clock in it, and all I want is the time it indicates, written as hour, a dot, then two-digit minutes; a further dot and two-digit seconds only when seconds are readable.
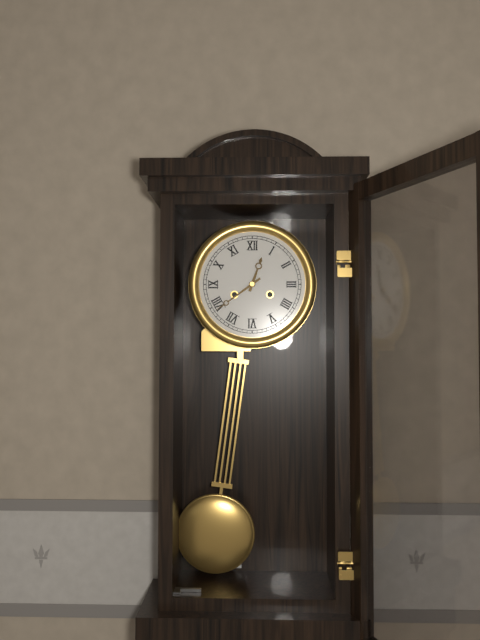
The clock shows 12.39
